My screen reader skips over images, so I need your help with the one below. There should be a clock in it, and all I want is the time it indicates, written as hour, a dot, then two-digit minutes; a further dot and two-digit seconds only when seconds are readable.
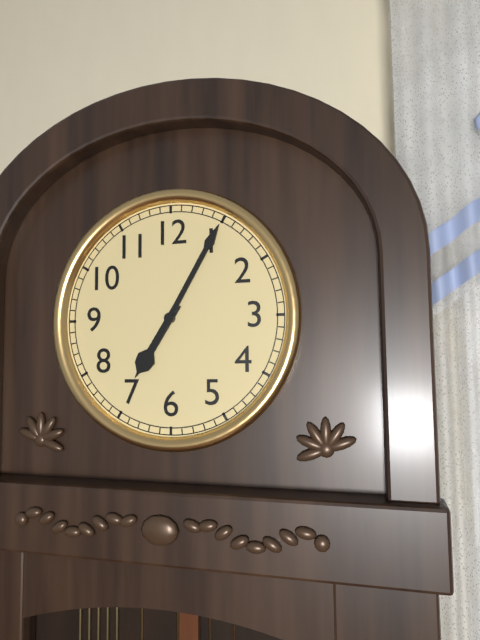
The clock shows 7.05
